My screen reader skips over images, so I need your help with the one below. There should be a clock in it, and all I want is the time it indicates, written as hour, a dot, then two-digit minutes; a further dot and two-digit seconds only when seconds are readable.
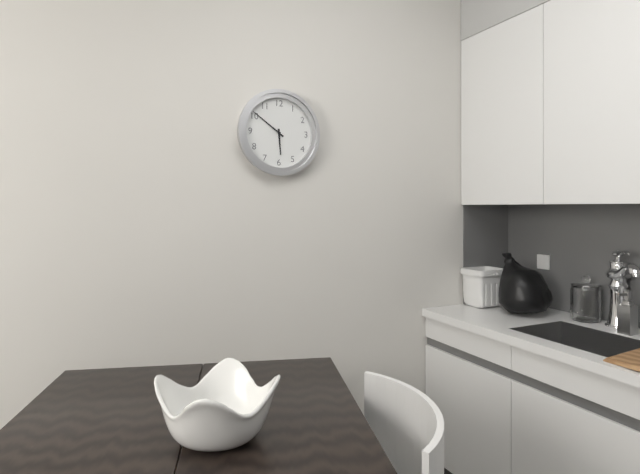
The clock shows 5.51
